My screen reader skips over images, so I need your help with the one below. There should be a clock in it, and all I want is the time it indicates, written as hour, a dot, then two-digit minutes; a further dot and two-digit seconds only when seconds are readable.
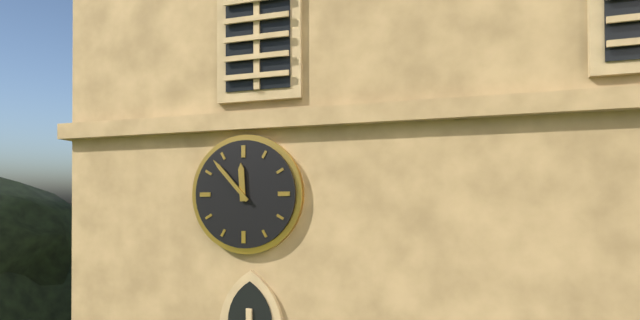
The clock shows 11.53
